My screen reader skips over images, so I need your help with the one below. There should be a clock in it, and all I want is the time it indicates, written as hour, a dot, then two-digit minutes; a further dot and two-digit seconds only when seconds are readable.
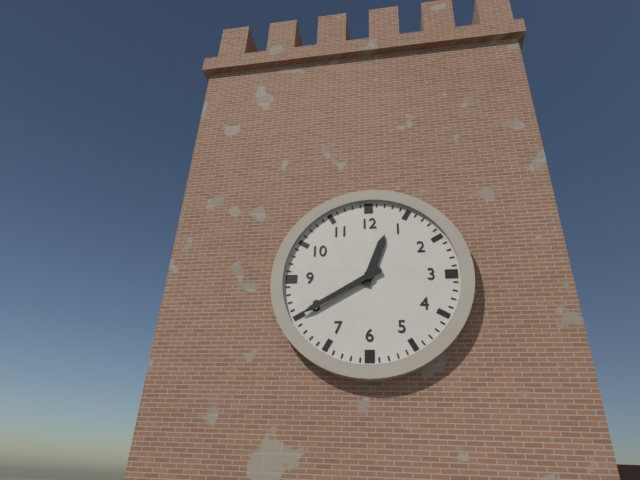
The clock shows 12.40
